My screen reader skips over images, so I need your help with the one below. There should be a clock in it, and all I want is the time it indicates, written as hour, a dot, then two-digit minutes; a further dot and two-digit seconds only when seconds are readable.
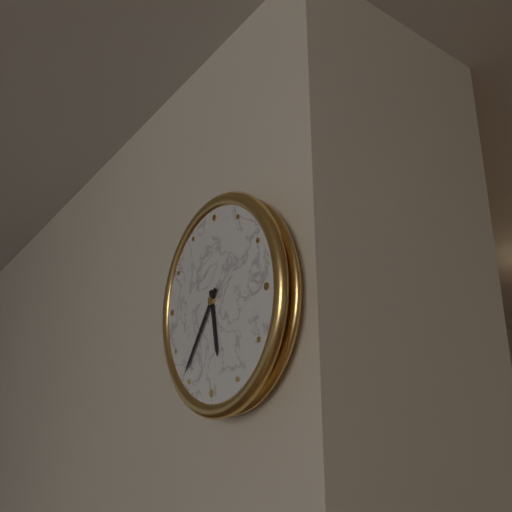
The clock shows 5.36
